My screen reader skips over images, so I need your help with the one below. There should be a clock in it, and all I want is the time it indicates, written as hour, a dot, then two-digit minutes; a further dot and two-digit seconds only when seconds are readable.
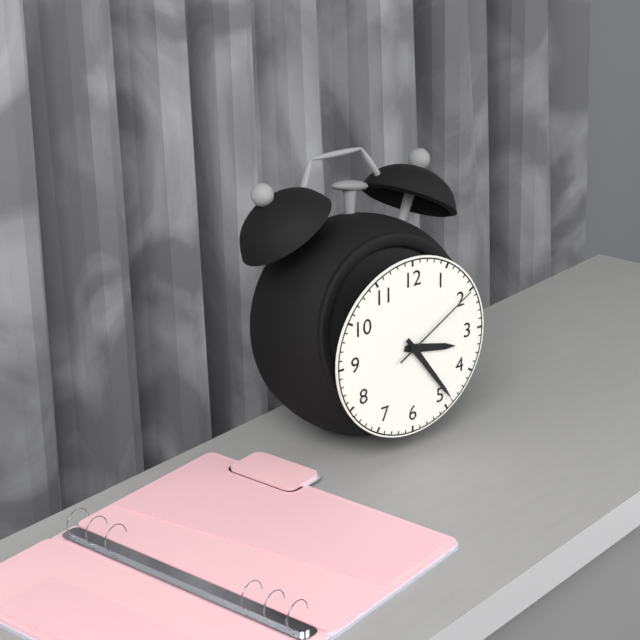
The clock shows 3.24.10
